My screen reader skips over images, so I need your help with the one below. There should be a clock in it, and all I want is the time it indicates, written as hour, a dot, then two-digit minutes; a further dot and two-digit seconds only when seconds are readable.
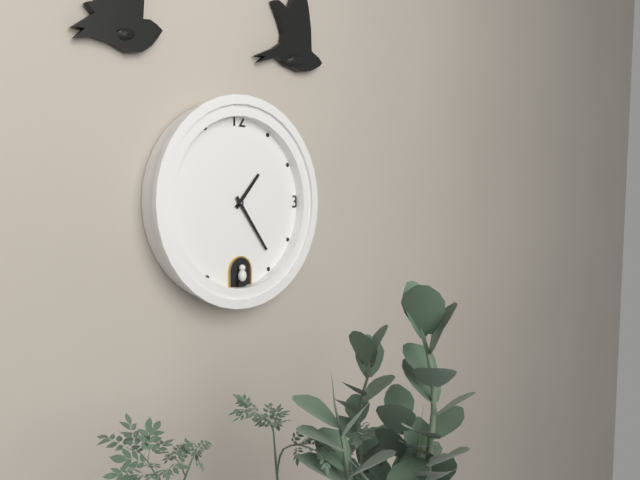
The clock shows 1.24
